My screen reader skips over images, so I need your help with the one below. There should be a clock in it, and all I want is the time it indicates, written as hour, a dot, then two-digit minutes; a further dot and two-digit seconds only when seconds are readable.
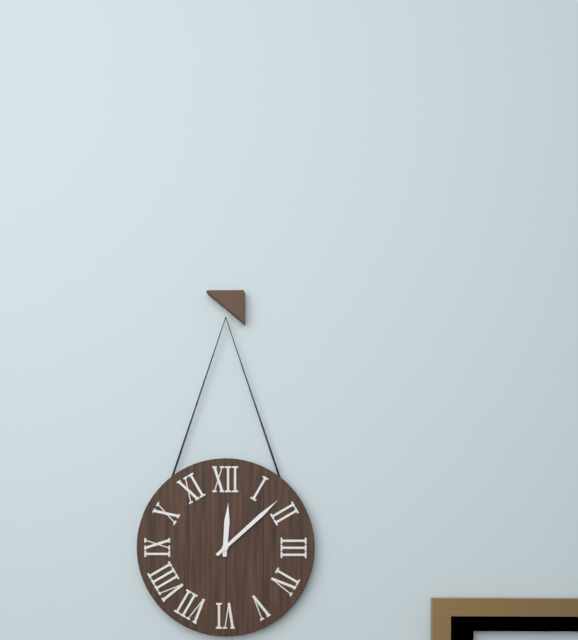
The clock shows 12.08
